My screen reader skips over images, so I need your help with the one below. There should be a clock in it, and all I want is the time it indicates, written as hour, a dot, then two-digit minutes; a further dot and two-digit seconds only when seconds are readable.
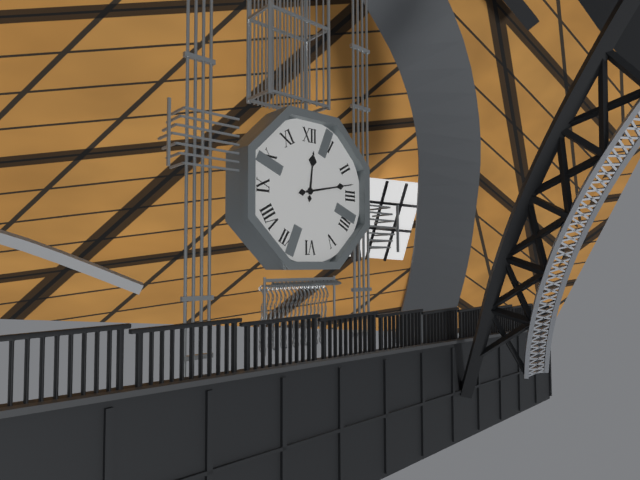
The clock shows 12.13
